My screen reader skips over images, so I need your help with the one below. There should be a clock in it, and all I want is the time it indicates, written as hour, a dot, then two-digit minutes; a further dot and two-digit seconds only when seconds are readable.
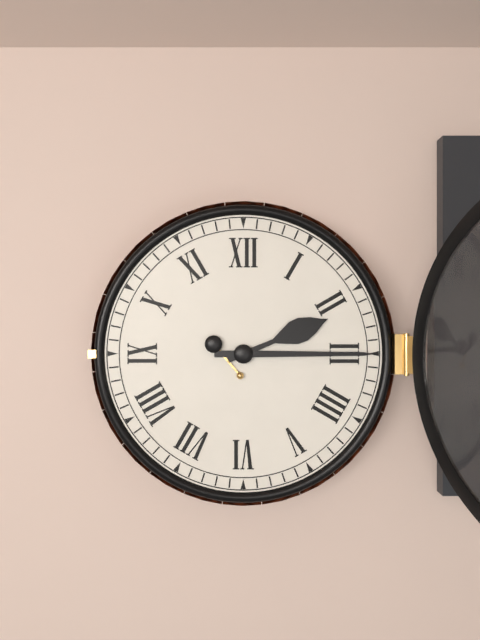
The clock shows 2.15
